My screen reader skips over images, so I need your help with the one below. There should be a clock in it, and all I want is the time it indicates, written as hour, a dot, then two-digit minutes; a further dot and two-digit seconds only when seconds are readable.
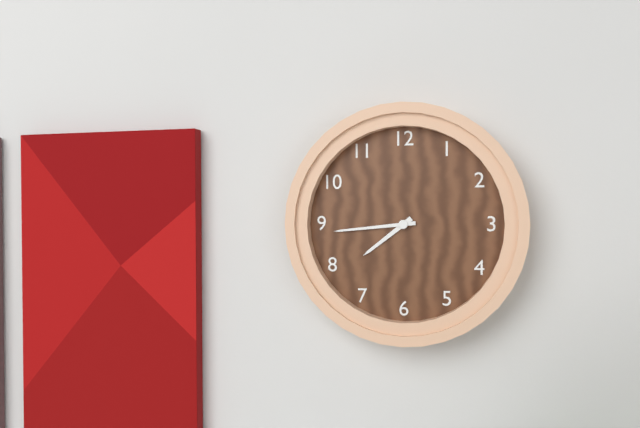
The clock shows 7.44
